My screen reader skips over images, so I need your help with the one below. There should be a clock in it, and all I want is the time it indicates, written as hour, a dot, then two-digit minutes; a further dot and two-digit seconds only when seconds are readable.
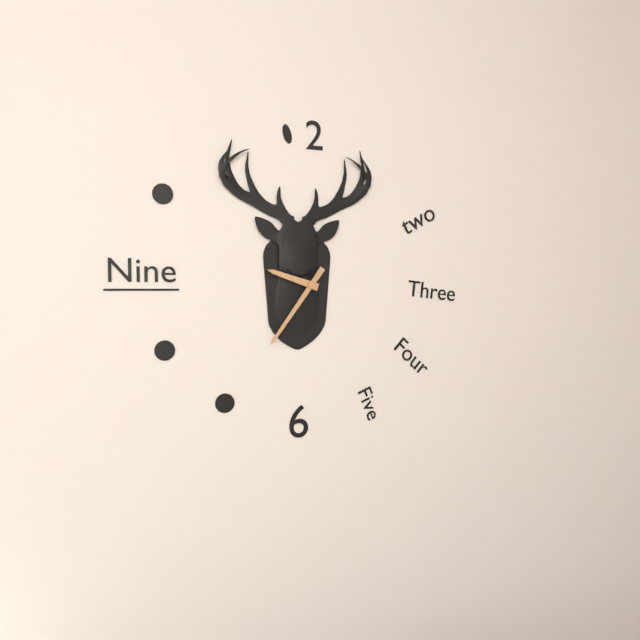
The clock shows 9.36
